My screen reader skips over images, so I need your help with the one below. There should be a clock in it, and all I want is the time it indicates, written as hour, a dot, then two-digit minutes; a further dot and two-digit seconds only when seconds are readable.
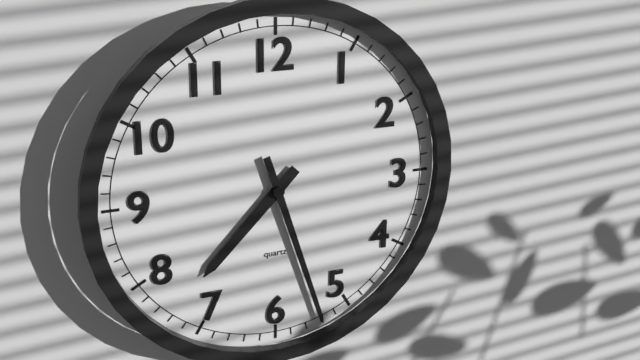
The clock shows 7.27
